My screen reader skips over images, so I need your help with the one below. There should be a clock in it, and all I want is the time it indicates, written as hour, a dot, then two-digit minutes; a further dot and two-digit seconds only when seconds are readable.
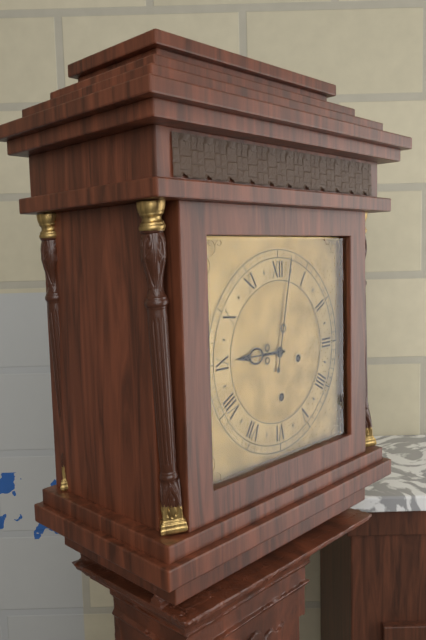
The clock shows 9.02
